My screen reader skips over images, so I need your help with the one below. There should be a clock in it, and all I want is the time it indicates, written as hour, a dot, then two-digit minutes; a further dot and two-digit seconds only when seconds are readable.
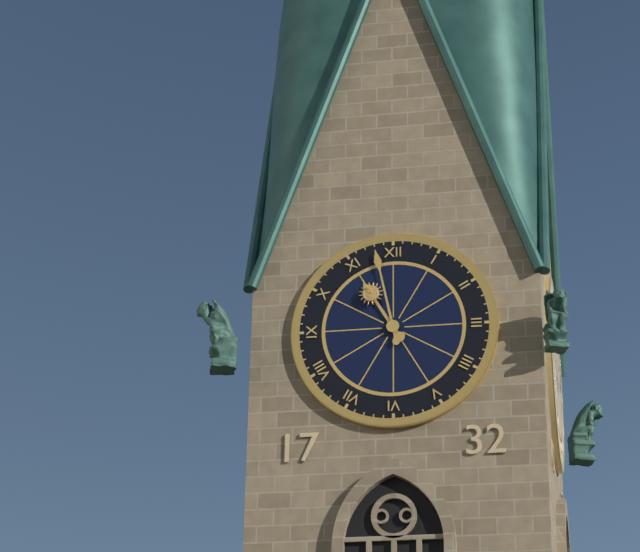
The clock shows 10.58
